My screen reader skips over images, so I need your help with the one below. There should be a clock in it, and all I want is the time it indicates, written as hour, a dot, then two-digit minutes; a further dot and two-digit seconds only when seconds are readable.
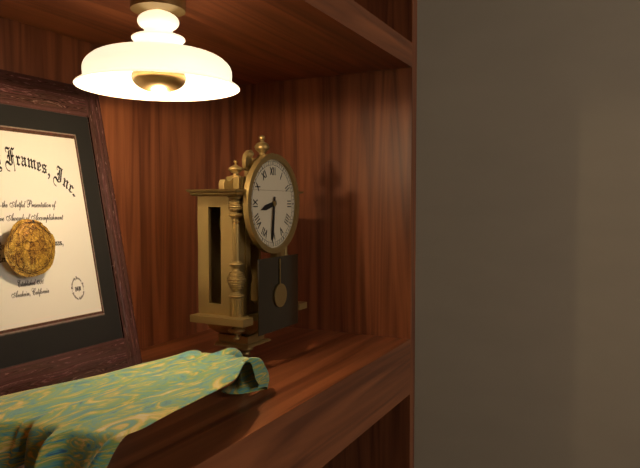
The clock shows 8.31
